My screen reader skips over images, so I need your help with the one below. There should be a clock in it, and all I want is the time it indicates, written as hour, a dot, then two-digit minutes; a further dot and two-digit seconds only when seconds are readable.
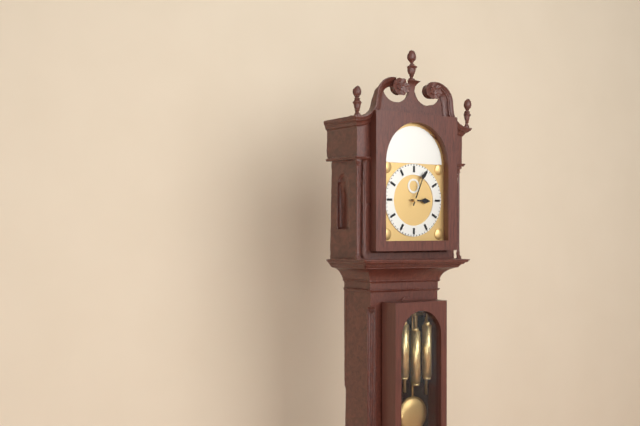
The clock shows 3.04
